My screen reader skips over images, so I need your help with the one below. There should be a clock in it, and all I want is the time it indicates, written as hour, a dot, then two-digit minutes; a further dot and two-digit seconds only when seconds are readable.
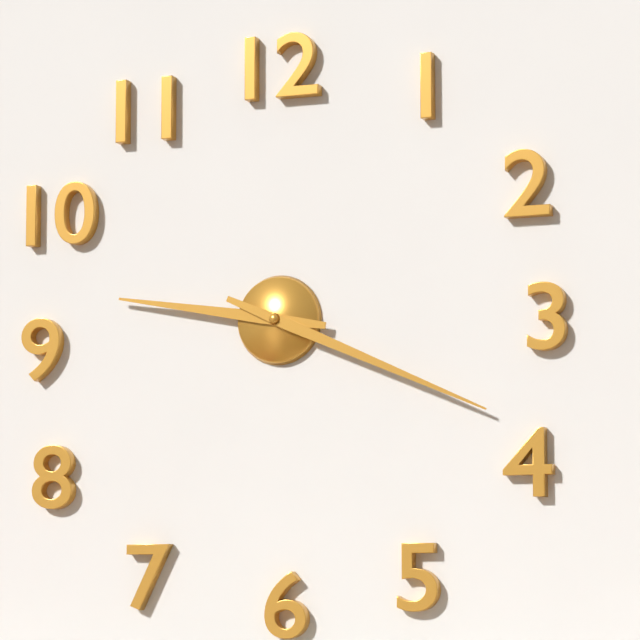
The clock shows 9.19
